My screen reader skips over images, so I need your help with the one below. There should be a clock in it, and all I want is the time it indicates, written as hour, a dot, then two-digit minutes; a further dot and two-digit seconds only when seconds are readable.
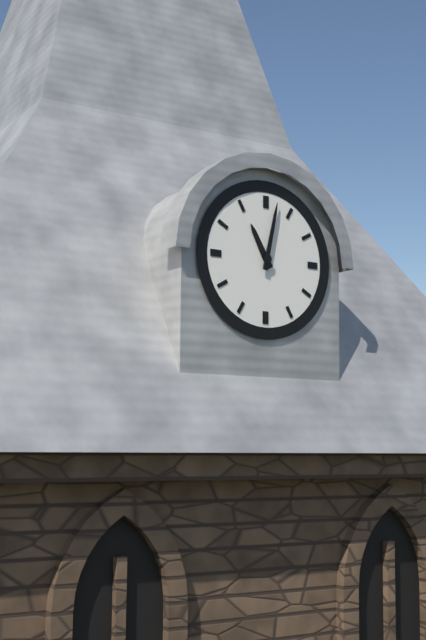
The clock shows 11.02
